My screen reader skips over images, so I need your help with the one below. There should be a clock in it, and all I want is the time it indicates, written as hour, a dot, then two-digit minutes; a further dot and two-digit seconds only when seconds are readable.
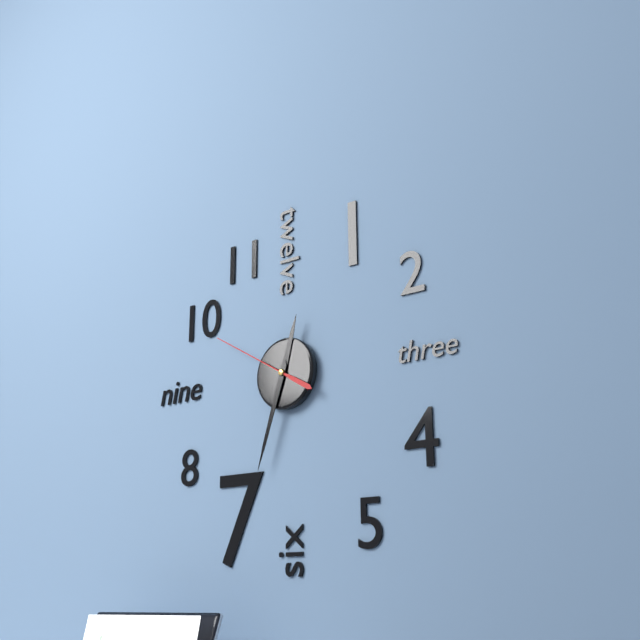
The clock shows 12.33.50
